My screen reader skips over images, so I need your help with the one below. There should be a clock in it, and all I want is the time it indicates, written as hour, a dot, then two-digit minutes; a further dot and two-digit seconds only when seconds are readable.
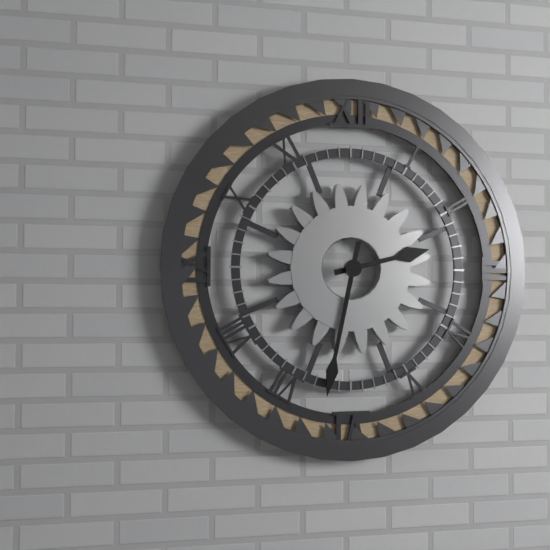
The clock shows 2.32
